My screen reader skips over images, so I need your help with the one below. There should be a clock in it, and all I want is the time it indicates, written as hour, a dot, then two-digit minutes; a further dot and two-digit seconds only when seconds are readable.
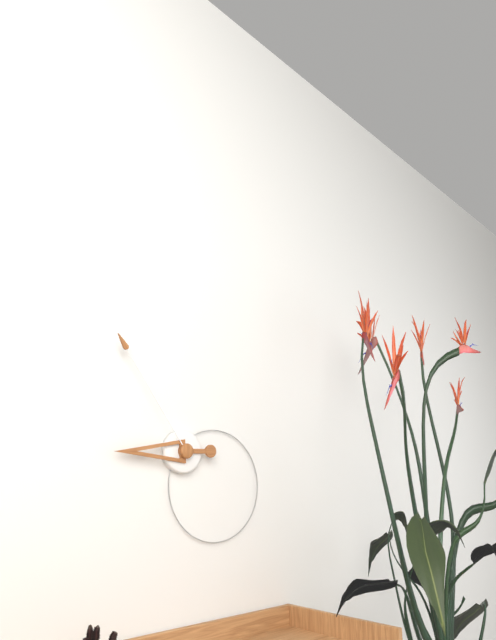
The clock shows 8.54
